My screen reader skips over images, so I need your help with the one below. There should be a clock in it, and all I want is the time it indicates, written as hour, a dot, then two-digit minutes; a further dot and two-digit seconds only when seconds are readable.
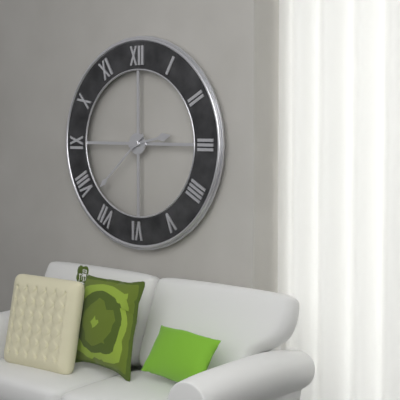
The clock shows 2.38
